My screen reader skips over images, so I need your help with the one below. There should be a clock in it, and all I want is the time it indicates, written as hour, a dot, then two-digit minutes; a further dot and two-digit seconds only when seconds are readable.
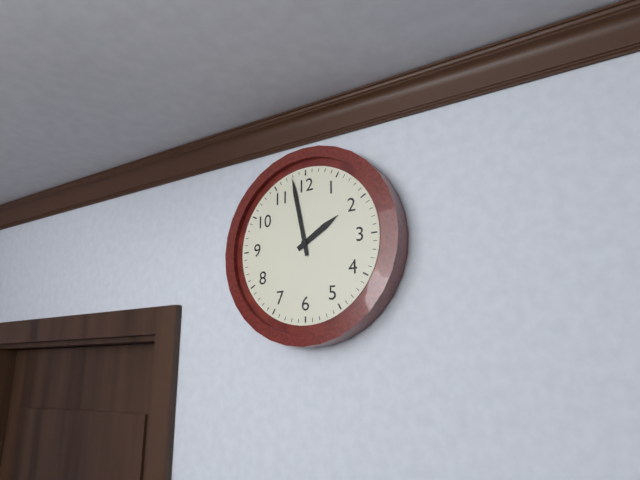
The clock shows 1.58
